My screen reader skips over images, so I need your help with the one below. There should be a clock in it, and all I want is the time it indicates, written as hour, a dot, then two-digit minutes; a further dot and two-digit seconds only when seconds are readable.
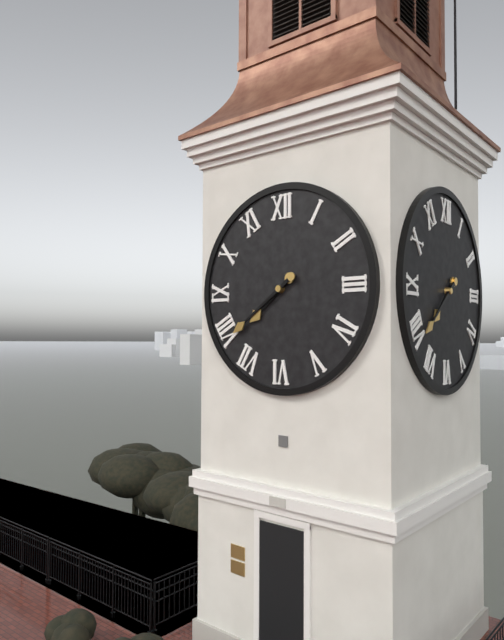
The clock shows 7.39
